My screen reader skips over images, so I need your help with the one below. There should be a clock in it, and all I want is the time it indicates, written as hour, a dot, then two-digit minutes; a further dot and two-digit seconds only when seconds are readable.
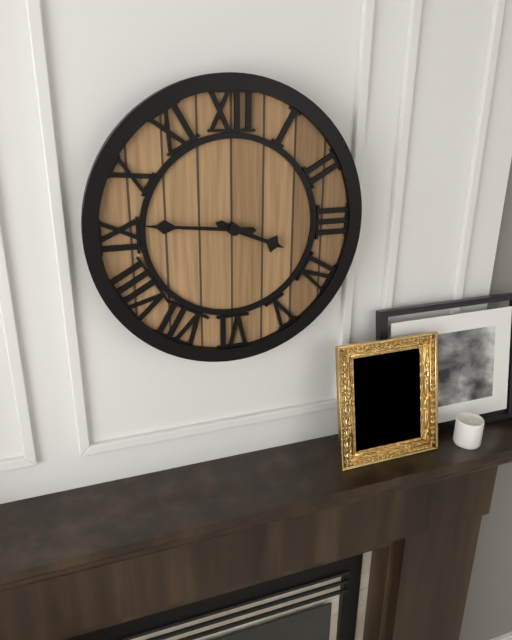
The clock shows 3.46
